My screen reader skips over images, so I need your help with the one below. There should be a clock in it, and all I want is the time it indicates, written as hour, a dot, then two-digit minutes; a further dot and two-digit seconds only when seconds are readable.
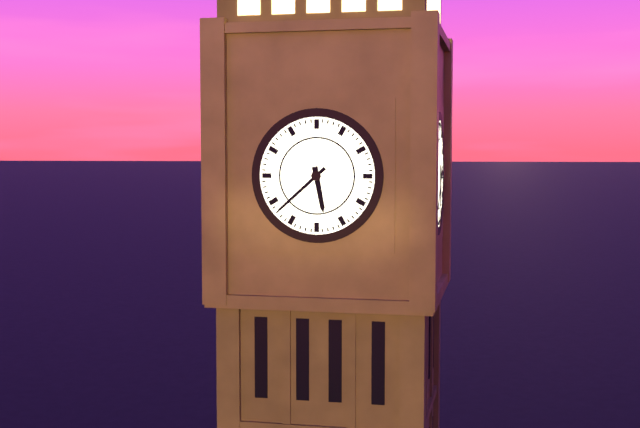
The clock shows 5.38
